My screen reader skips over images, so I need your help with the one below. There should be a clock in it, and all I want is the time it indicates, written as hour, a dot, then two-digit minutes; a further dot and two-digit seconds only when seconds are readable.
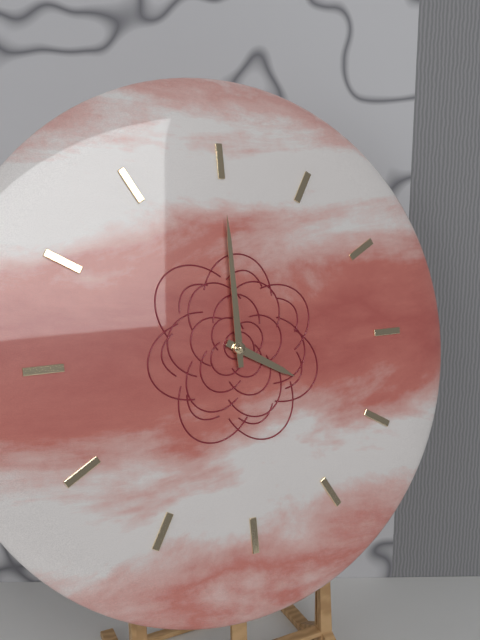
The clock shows 4.00
